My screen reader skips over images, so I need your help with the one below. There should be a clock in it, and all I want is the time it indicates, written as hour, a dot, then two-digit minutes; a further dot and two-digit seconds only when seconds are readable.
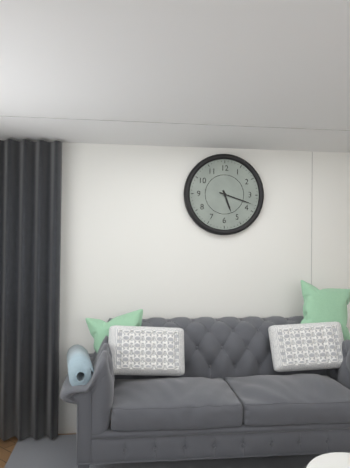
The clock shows 5.18
